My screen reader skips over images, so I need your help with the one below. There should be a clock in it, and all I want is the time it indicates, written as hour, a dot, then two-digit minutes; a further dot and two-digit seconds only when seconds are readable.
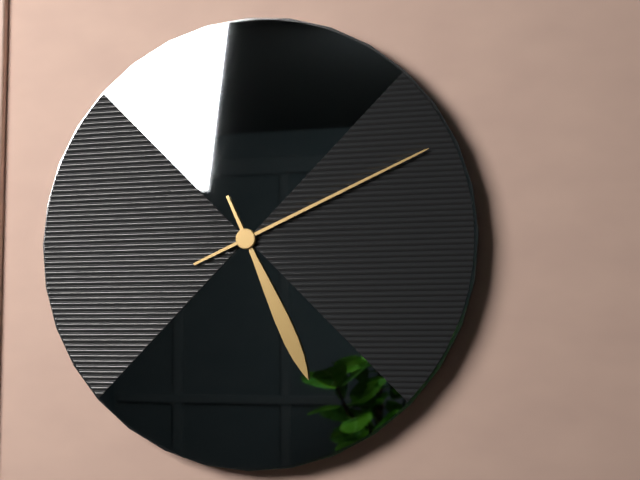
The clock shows 5.11
